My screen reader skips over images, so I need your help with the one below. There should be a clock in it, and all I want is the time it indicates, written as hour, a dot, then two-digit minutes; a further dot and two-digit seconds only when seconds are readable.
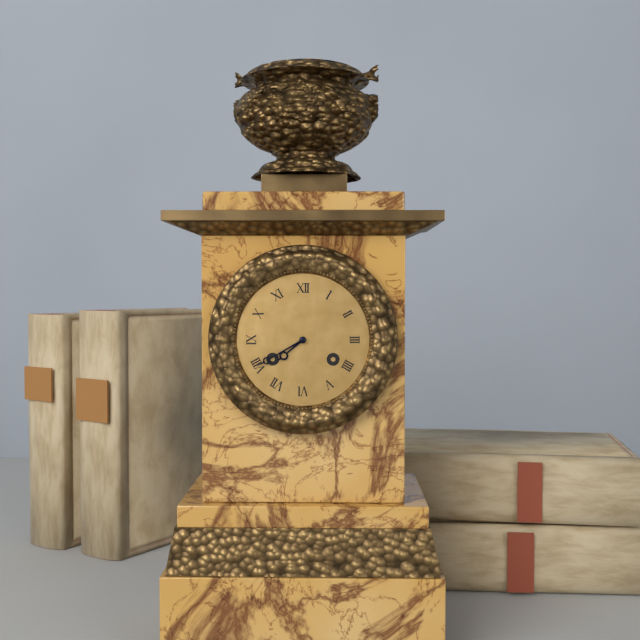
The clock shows 7.40
